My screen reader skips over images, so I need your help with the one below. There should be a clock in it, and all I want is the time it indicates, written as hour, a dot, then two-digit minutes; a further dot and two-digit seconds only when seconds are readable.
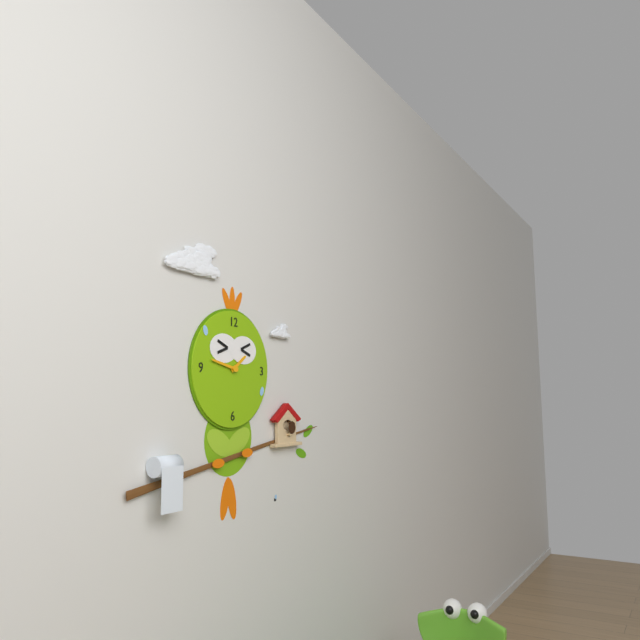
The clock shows 1.47
